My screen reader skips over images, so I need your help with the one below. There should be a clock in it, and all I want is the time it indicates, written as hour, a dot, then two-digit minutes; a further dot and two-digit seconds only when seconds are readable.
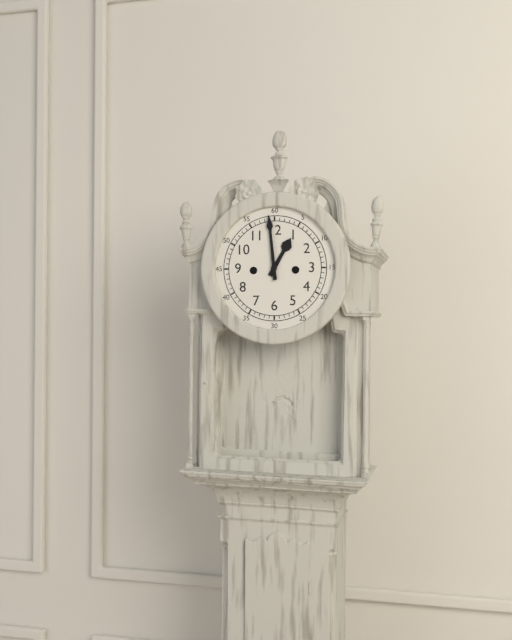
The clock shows 12.59
